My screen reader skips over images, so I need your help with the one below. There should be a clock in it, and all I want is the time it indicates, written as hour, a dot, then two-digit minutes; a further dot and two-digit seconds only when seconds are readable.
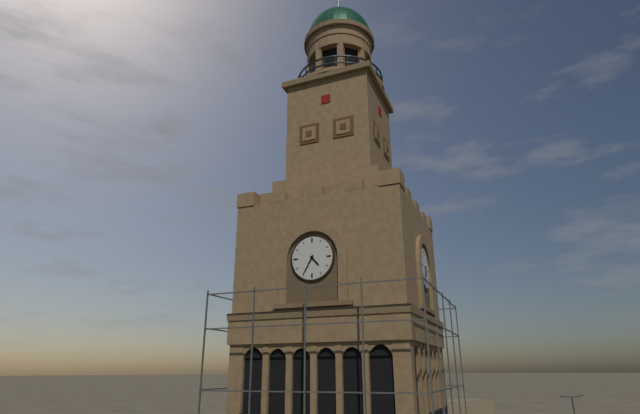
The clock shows 4.35
